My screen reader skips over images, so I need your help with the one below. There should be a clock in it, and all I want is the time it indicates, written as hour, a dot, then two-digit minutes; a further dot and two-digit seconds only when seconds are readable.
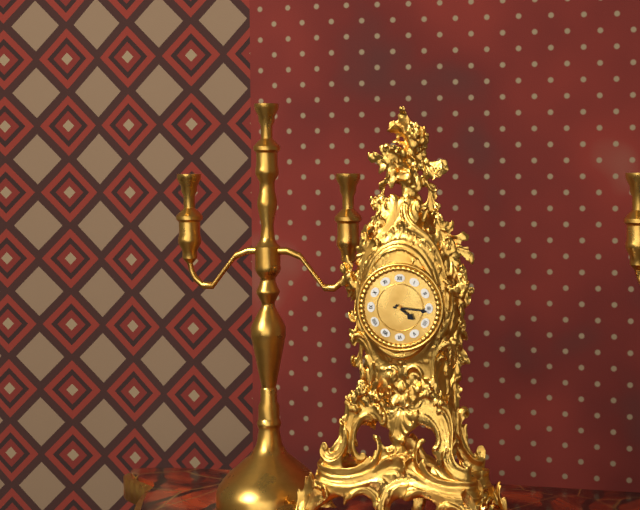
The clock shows 4.16
